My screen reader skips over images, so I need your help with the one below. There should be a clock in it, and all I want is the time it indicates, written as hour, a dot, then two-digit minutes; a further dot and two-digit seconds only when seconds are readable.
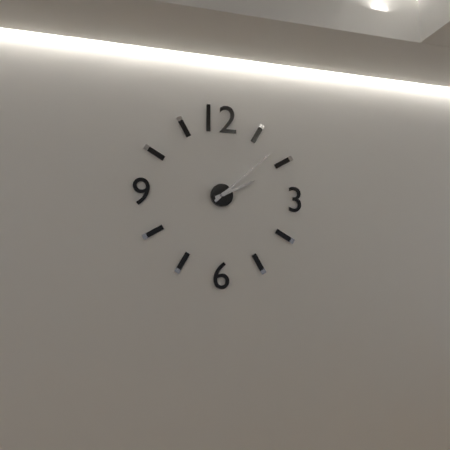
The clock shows 2.08
